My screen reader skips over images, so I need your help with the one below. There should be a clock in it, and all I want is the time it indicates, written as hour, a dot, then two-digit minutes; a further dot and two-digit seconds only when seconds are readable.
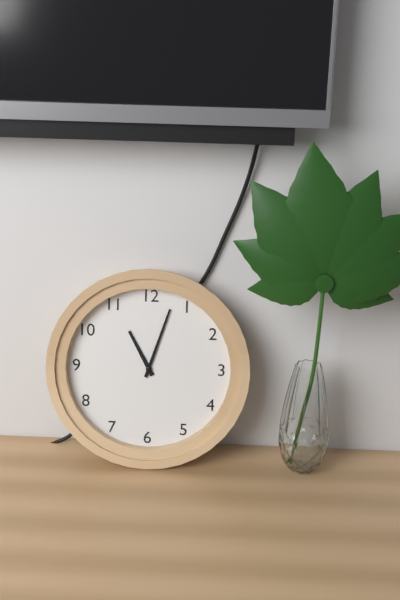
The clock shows 11.03
